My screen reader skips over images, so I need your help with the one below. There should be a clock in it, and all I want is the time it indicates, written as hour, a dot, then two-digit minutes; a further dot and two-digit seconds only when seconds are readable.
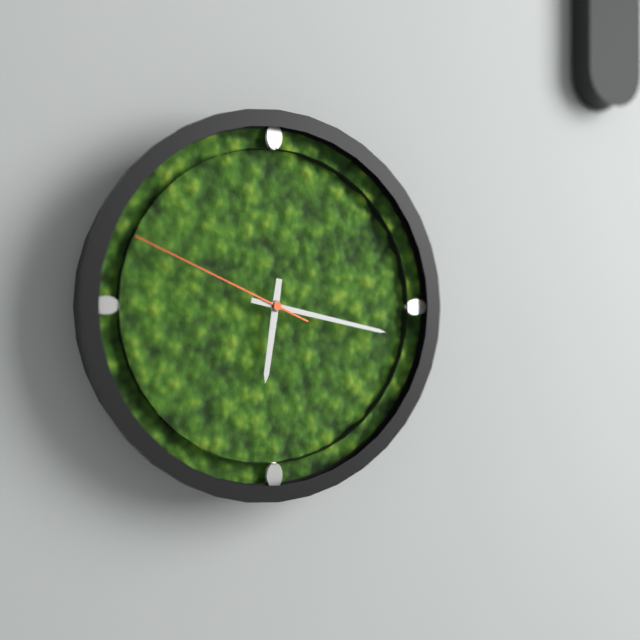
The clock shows 6.17.49
